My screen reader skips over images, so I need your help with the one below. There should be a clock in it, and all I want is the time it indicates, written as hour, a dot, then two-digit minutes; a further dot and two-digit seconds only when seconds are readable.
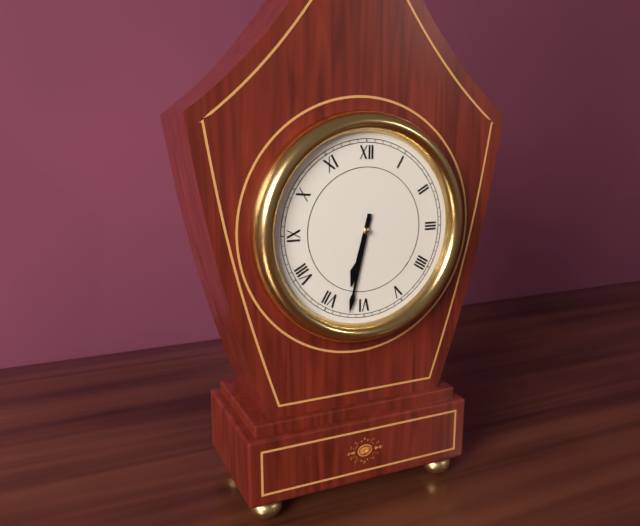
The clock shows 6.32
